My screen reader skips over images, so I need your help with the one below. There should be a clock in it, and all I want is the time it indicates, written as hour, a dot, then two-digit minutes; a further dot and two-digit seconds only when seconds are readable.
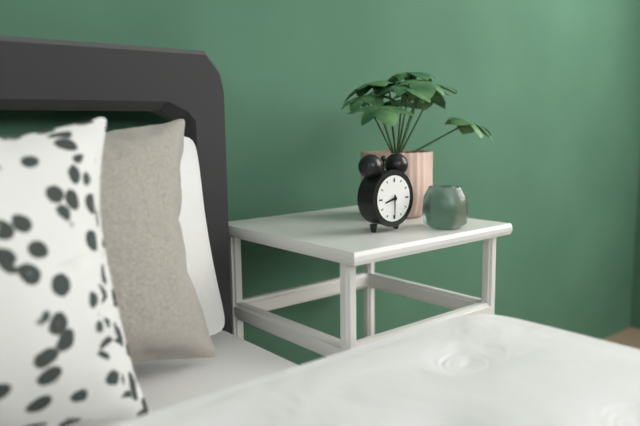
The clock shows 8.30
